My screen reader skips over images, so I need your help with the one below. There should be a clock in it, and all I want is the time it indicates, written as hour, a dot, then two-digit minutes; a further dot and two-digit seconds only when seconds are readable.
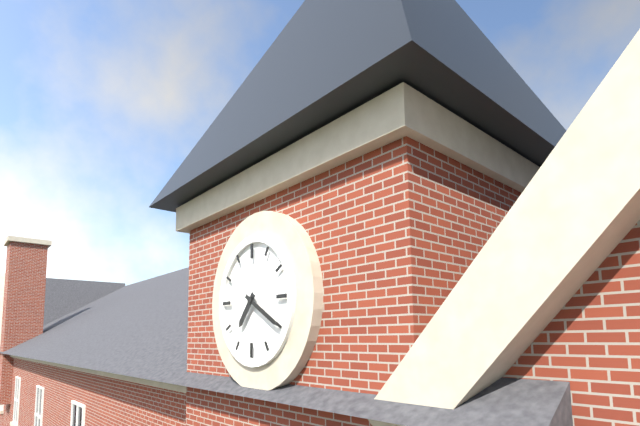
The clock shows 7.20
